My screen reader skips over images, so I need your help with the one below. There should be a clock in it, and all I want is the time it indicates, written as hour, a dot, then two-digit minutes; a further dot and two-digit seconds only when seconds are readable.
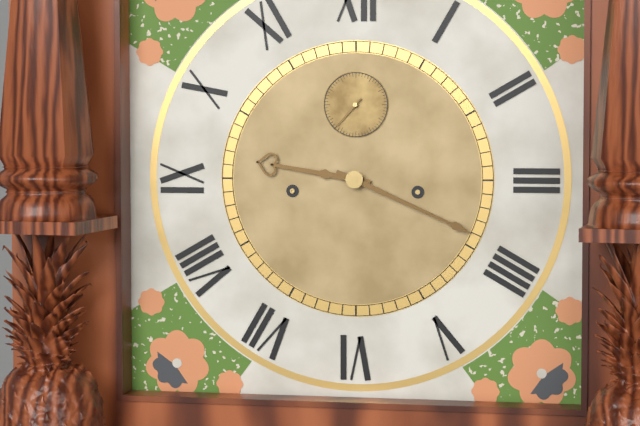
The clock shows 9.19
